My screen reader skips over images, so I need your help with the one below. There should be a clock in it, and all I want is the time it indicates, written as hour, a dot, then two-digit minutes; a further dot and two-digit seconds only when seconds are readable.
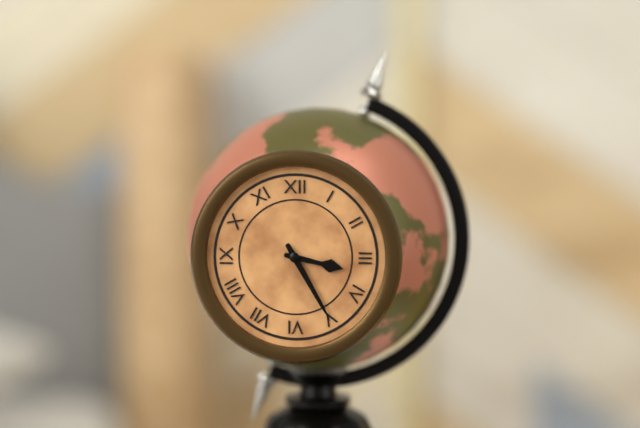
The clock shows 3.25
